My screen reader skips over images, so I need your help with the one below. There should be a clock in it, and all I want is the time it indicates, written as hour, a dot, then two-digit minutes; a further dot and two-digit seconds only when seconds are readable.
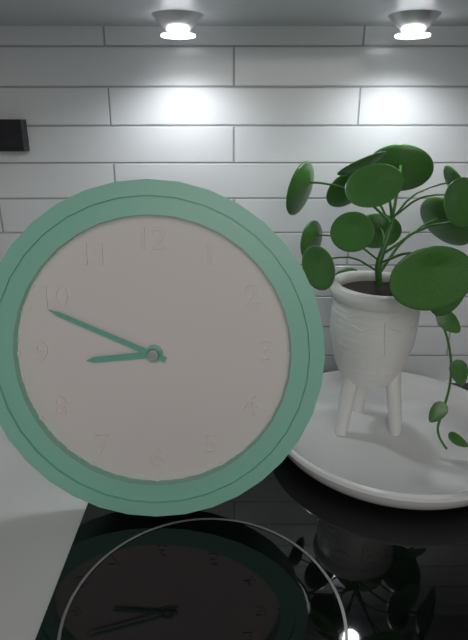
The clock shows 8.49
